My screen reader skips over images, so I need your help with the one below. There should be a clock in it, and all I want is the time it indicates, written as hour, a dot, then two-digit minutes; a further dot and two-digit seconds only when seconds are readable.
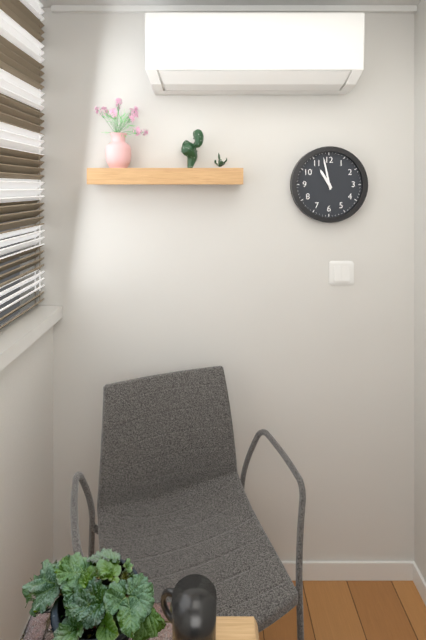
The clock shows 10.58
